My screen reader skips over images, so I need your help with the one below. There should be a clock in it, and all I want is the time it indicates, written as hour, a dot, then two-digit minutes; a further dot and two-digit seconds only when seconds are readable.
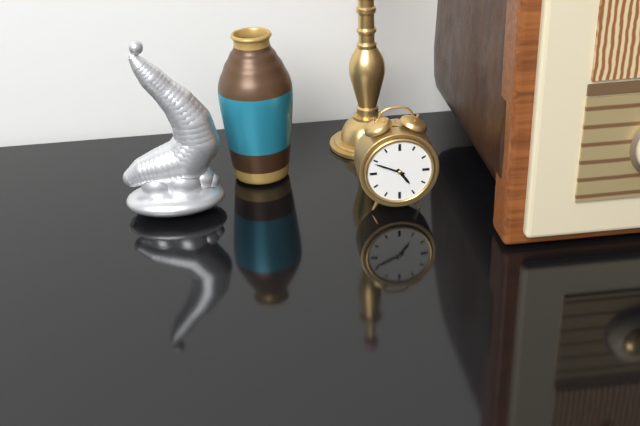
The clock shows 4.49
